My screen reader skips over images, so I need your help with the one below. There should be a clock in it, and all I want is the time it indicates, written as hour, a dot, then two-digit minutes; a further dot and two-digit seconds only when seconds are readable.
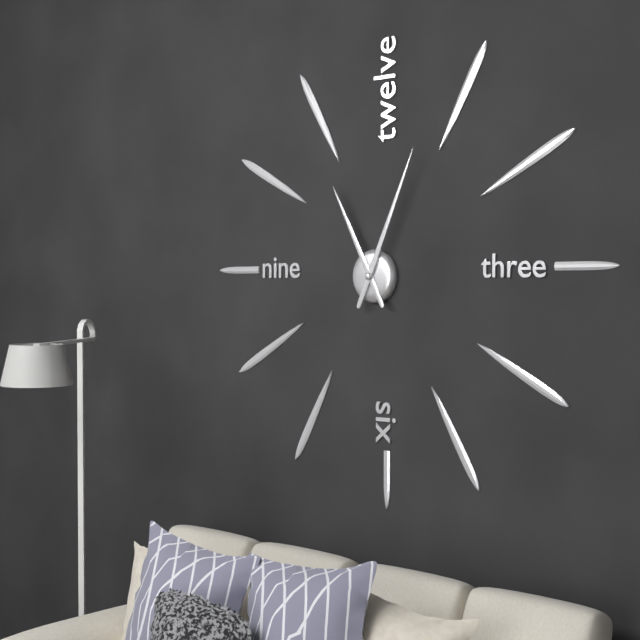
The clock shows 11.04
